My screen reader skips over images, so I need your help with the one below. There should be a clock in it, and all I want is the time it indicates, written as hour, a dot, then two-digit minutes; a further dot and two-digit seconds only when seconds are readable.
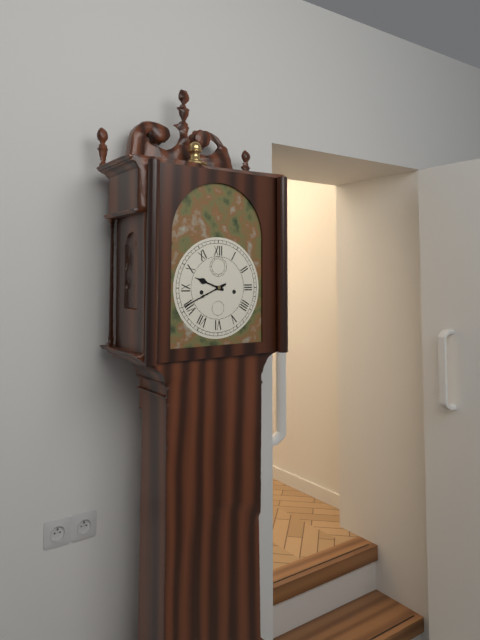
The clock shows 9.41
